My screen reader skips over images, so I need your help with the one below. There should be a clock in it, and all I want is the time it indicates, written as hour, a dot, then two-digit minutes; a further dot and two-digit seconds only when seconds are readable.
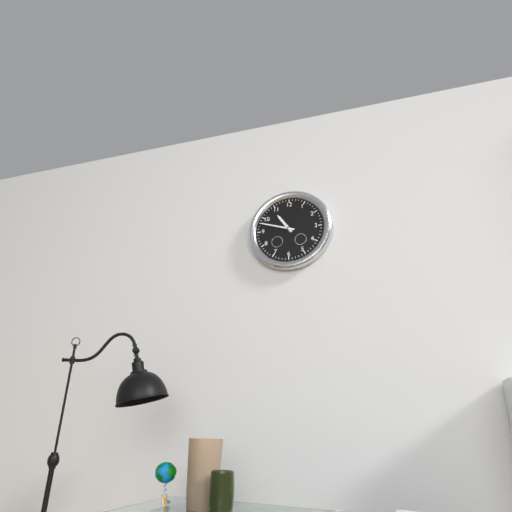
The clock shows 10.48
